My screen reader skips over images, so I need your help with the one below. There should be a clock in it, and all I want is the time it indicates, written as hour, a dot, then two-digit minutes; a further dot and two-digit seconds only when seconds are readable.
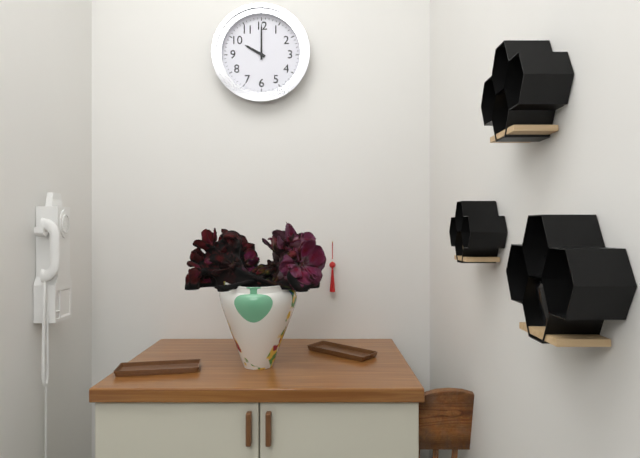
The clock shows 10.00
